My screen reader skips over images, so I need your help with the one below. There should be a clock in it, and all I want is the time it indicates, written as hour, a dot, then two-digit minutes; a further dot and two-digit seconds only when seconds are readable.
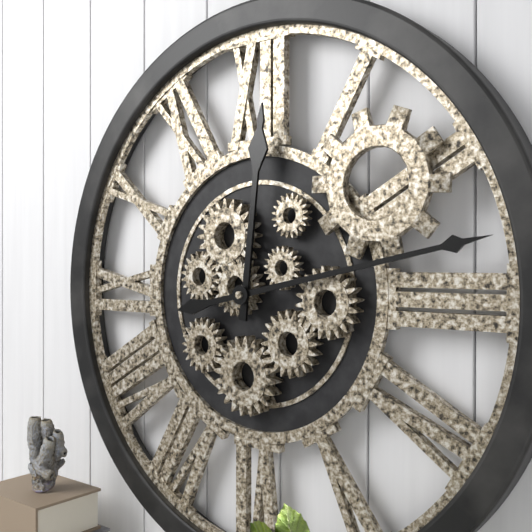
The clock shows 12.13
